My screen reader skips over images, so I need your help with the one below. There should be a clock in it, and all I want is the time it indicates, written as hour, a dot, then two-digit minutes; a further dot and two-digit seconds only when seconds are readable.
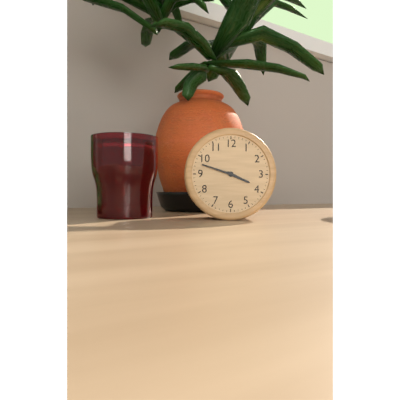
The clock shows 3.48
